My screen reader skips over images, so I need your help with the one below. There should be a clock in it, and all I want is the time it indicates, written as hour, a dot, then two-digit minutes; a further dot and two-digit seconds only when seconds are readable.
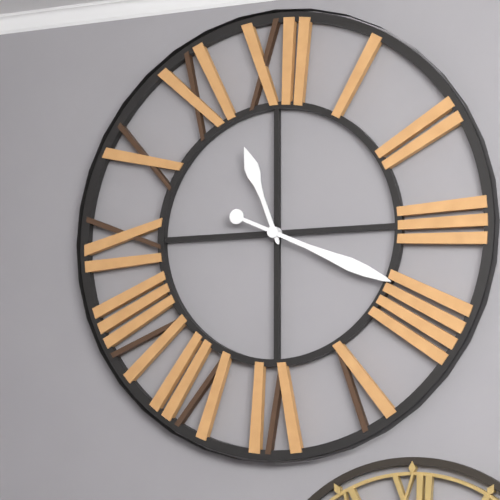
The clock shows 11.19
